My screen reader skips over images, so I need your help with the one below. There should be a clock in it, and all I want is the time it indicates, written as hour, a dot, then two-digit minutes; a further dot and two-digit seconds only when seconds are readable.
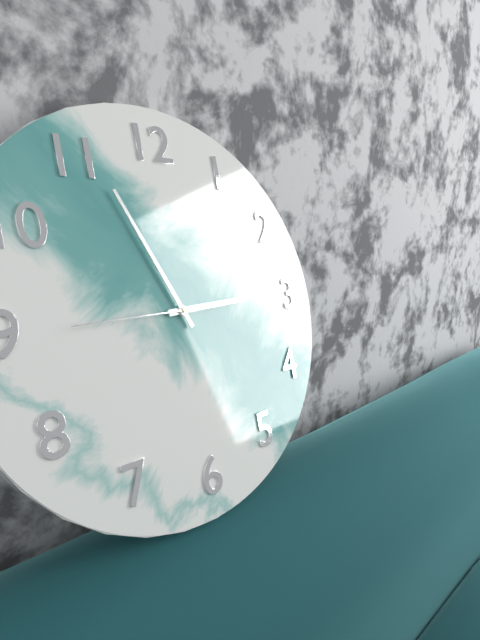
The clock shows 2.56.45
